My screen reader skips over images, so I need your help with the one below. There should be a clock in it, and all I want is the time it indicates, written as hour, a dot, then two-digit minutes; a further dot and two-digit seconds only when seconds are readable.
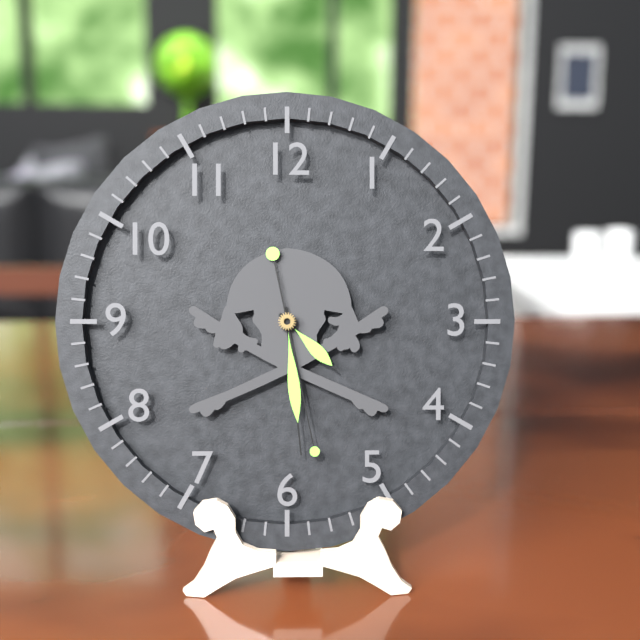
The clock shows 4.29.28
